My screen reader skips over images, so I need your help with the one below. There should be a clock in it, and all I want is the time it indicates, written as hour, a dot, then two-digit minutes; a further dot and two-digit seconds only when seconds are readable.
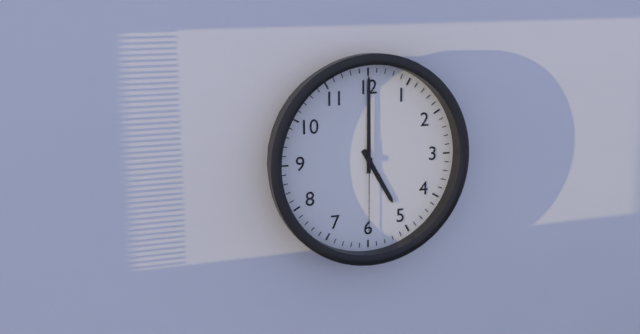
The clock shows 5.00.30
